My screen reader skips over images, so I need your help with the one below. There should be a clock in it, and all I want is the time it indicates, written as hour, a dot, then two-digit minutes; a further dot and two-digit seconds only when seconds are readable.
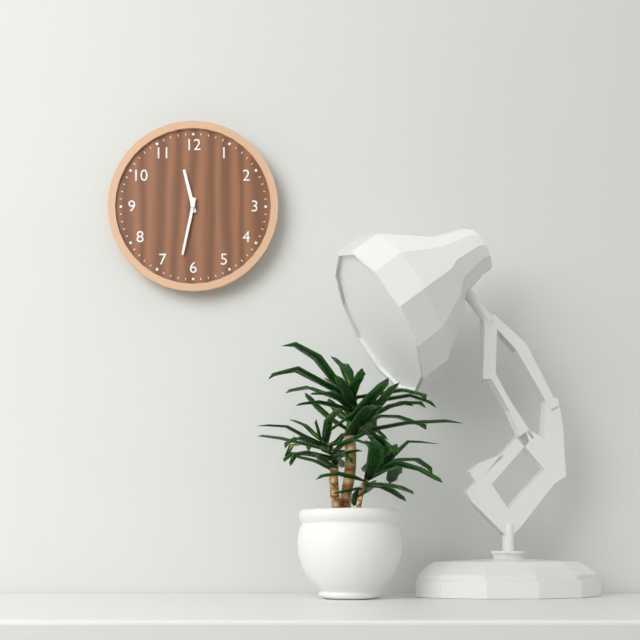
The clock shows 11.32
